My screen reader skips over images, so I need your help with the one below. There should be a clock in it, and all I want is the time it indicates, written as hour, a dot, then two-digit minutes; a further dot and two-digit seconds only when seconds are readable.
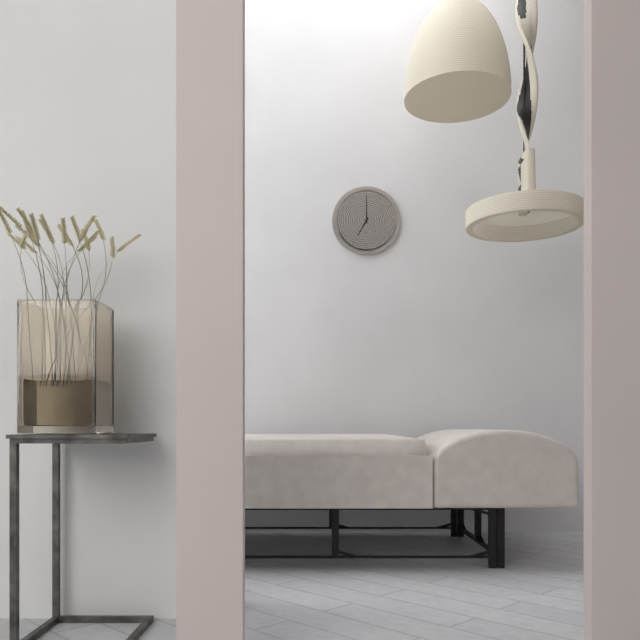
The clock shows 7.00
